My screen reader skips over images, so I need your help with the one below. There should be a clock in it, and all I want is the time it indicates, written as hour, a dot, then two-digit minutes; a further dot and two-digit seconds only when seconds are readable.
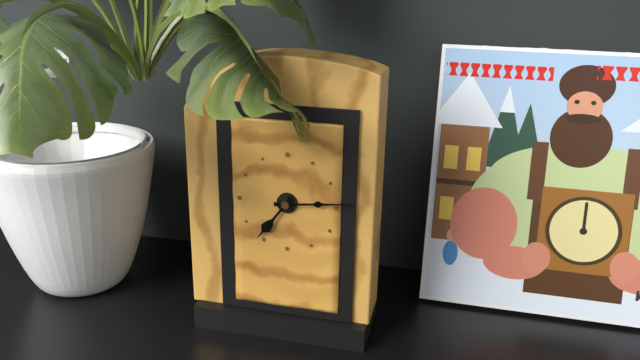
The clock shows 7.14
